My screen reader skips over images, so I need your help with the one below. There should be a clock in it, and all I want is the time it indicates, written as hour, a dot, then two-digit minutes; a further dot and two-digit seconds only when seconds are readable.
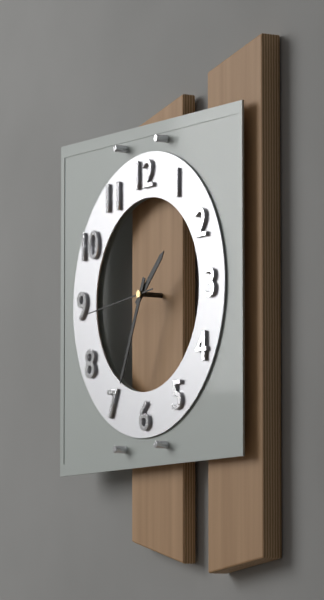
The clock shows 1.34.44
